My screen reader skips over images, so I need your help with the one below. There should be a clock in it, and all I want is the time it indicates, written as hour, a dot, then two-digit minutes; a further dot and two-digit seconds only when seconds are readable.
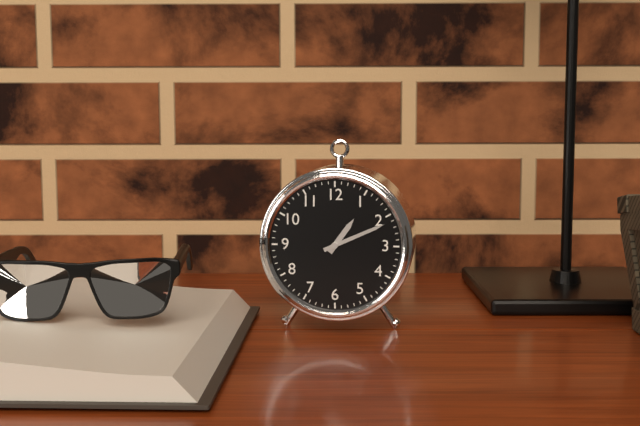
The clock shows 1.11
